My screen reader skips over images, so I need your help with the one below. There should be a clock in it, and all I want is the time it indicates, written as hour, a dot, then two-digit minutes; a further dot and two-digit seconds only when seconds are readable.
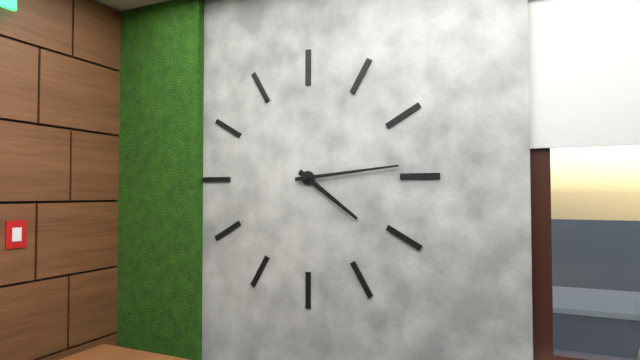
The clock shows 4.14
